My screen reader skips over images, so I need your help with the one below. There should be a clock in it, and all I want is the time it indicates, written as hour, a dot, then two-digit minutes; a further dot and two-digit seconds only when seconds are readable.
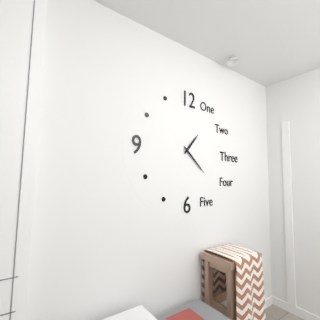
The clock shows 1.22
